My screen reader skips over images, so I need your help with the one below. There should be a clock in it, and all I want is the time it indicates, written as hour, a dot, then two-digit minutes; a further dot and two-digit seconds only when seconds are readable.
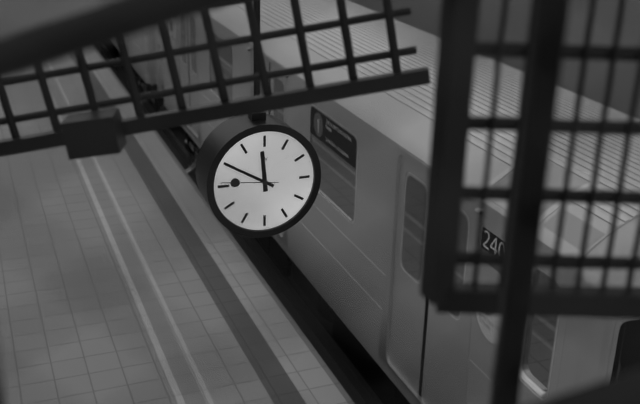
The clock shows 11.50
